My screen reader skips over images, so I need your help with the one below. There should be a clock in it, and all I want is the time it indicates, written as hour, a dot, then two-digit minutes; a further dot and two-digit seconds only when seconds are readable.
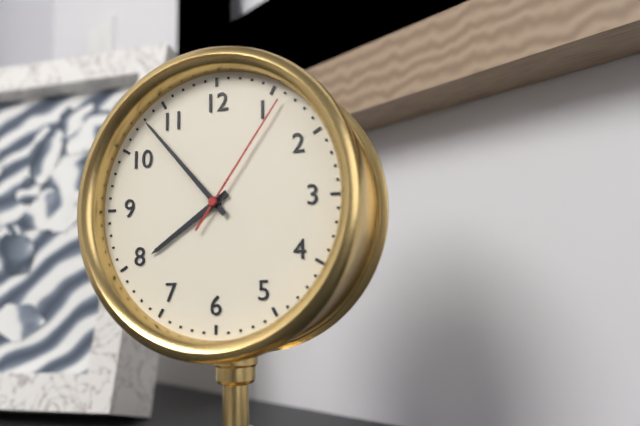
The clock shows 7.53.06
